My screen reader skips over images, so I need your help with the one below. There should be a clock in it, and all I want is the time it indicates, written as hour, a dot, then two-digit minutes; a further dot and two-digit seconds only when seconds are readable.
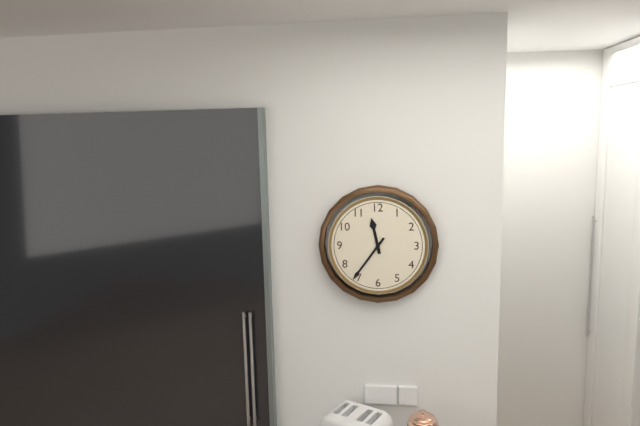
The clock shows 11.36
